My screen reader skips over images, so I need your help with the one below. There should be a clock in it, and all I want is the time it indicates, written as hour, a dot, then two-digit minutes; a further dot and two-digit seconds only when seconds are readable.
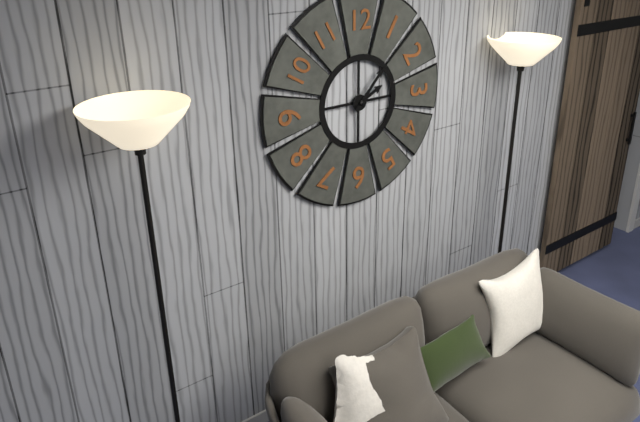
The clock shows 2.07
